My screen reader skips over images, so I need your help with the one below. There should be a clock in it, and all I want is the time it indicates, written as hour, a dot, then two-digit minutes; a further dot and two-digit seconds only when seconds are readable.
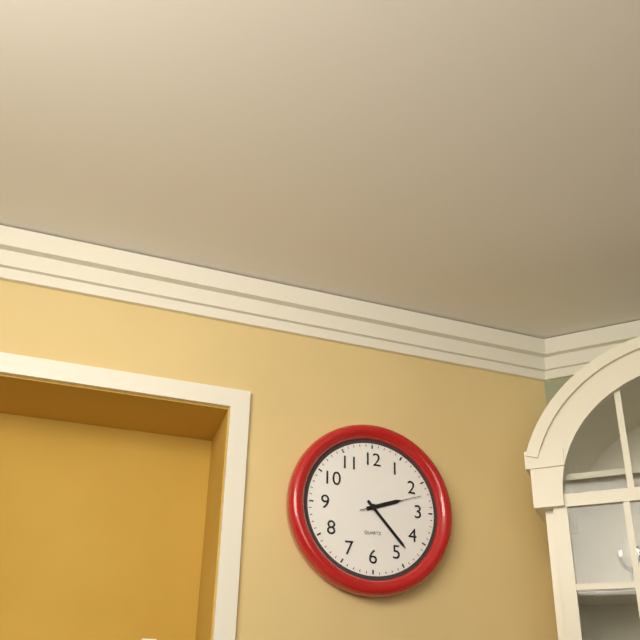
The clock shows 2.23.12
